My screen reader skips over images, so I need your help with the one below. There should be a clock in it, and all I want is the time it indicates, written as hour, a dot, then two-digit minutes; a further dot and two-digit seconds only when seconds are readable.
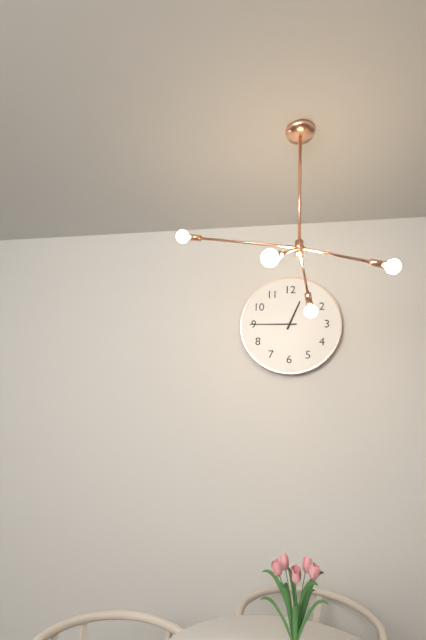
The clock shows 12.45
